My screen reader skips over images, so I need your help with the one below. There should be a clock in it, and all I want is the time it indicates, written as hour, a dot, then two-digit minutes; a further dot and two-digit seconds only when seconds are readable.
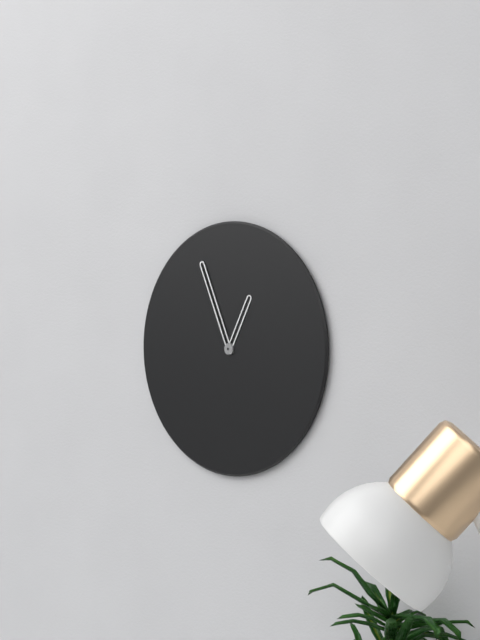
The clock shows 12.56
